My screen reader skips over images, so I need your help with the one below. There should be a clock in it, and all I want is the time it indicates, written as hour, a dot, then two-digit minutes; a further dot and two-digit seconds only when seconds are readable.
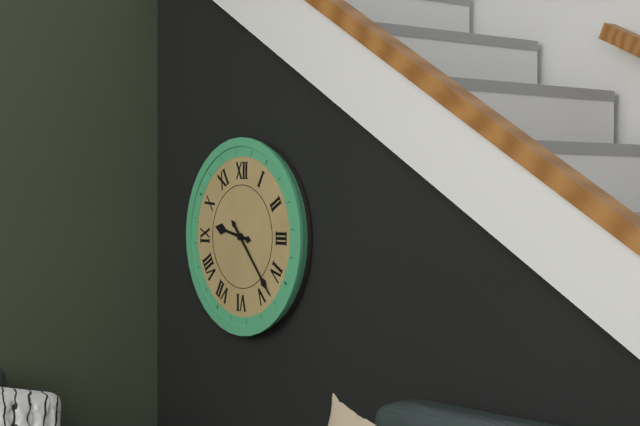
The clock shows 9.23
